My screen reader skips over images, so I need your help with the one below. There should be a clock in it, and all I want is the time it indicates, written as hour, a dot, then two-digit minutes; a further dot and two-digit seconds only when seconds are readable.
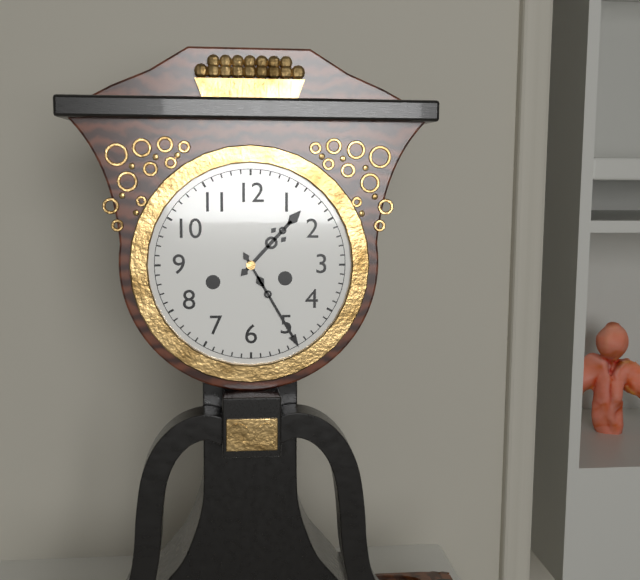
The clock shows 1.25
